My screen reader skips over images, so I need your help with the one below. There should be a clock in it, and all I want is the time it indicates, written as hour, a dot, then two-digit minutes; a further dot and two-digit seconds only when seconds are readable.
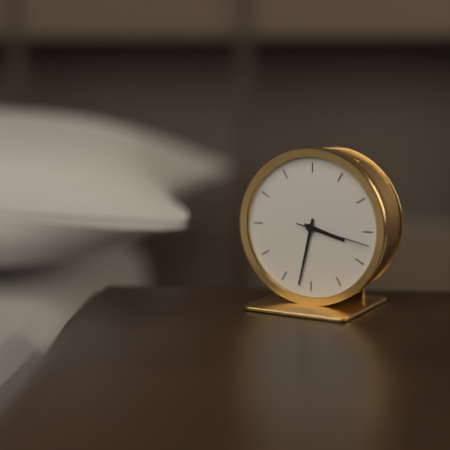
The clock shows 3.32.17
